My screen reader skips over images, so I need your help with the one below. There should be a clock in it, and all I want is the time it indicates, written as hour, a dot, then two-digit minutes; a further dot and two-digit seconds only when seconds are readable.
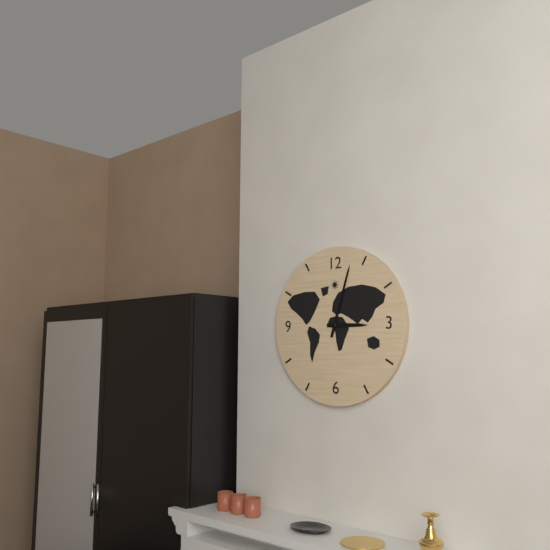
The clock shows 3.03
